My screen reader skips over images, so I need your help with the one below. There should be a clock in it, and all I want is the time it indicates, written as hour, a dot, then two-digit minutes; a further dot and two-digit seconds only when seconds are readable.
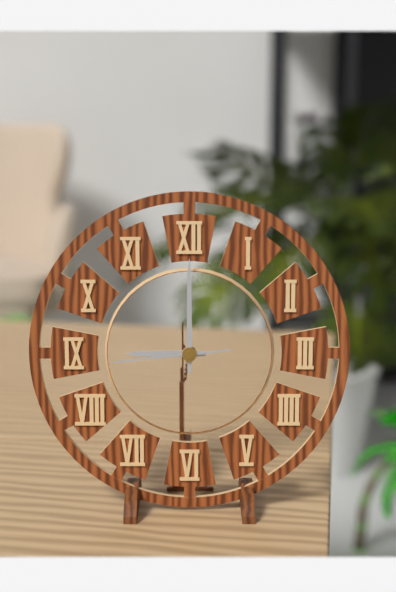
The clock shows 9.00.44
